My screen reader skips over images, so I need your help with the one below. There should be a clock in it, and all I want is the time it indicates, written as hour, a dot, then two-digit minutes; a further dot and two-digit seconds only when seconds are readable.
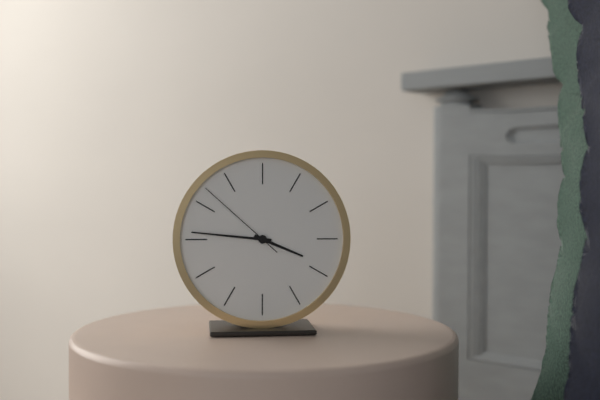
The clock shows 3.46.52
